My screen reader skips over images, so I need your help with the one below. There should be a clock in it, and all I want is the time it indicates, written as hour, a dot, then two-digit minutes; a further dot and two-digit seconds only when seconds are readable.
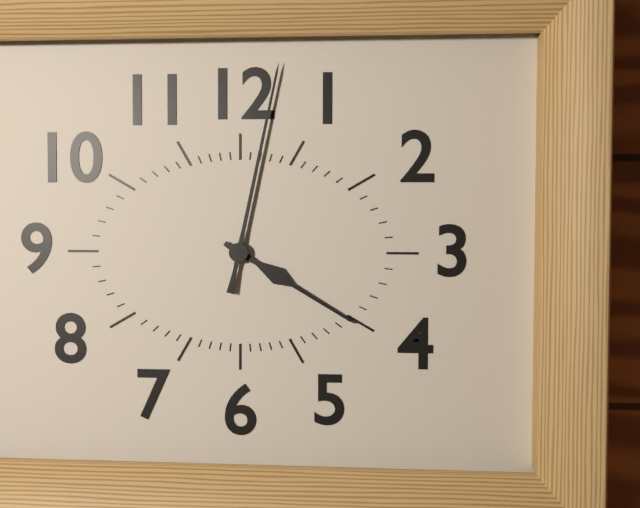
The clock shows 4.02
